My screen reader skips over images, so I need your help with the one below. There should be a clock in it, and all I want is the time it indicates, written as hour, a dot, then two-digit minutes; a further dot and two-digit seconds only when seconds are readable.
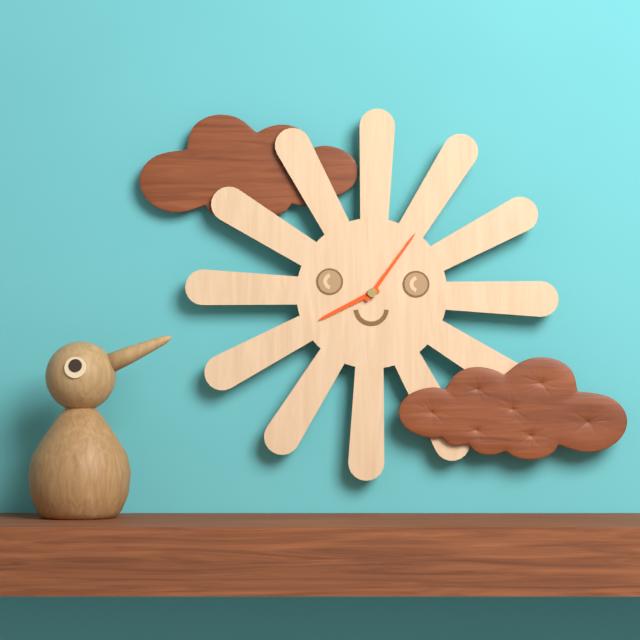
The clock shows 8.06
